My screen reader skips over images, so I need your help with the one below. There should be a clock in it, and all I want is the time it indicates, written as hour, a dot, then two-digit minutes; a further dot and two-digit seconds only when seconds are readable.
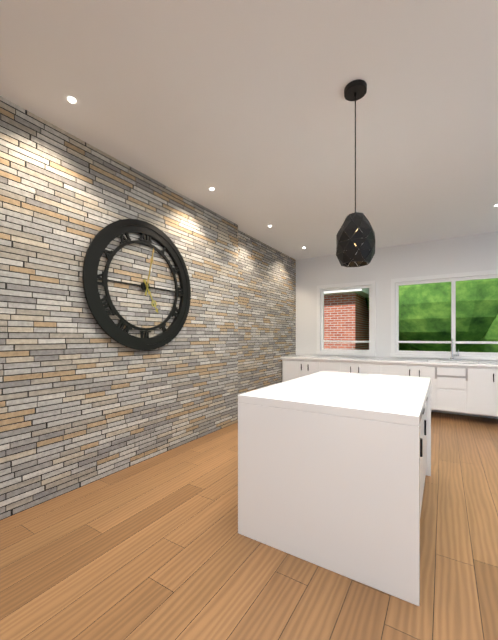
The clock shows 5.02
